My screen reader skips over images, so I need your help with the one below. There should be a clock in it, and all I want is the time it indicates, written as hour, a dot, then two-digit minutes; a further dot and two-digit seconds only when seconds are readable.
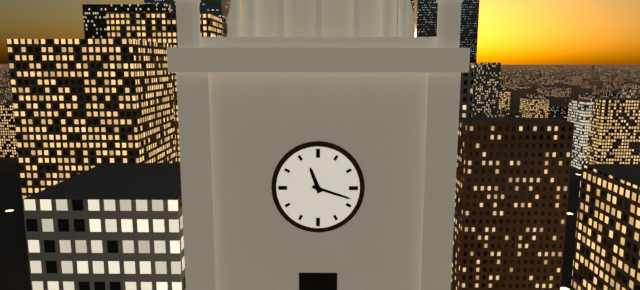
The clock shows 11.18
